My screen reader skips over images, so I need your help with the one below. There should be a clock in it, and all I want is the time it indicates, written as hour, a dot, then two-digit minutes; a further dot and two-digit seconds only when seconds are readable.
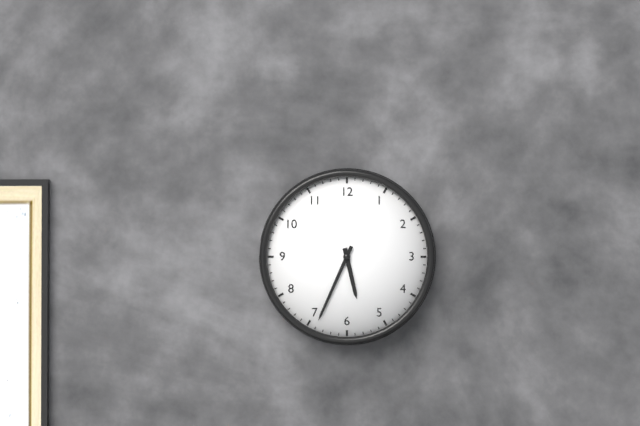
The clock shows 5.34
